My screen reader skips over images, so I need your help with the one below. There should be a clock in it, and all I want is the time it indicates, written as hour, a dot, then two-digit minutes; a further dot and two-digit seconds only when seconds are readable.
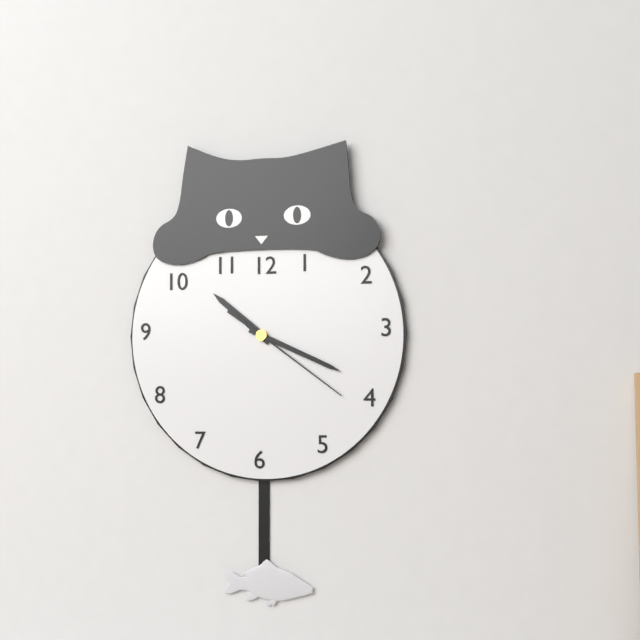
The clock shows 10.19.21
